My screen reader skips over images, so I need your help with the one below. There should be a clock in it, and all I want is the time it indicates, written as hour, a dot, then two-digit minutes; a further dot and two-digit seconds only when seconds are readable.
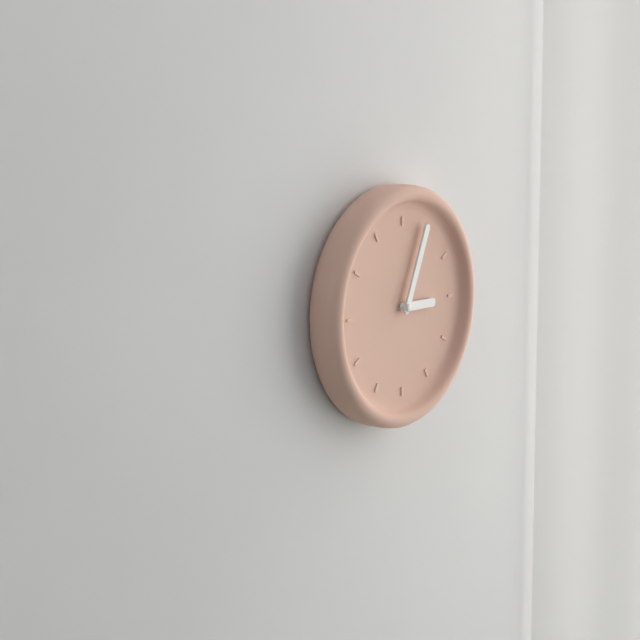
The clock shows 3.04
